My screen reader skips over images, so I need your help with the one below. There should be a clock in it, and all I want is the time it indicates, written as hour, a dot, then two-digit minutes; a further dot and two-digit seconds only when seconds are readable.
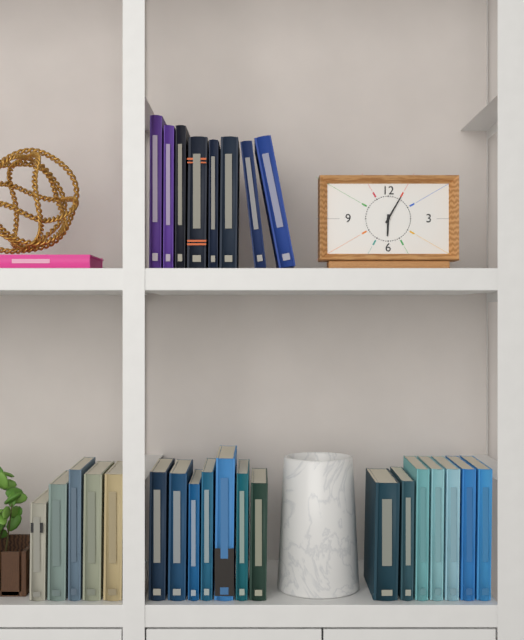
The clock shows 6.05
